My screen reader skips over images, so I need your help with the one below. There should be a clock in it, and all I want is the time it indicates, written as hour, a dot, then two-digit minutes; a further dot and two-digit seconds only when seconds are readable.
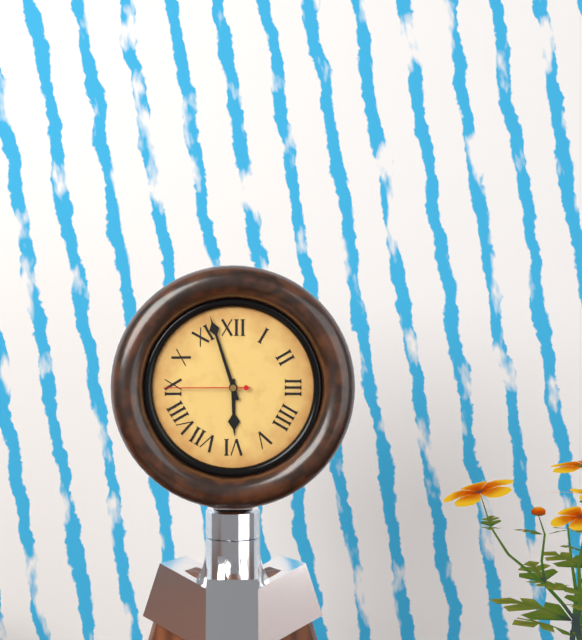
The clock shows 5.57.45
